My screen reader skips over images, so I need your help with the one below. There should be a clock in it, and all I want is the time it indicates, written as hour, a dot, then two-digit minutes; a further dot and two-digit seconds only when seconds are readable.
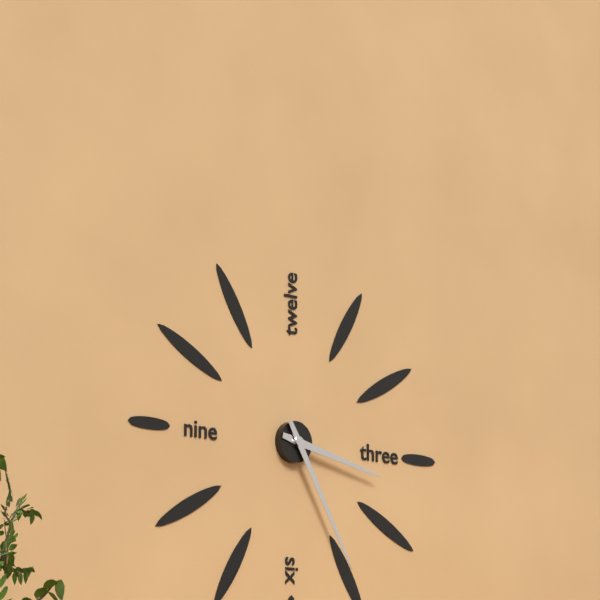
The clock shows 3.25
